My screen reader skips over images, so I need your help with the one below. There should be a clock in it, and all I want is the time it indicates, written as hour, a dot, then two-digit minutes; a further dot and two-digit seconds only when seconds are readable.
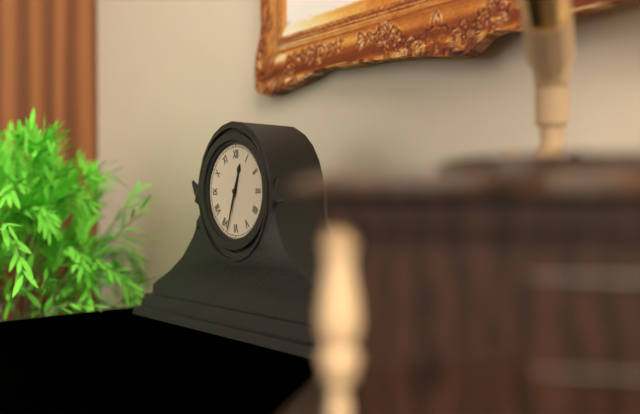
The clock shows 12.33
